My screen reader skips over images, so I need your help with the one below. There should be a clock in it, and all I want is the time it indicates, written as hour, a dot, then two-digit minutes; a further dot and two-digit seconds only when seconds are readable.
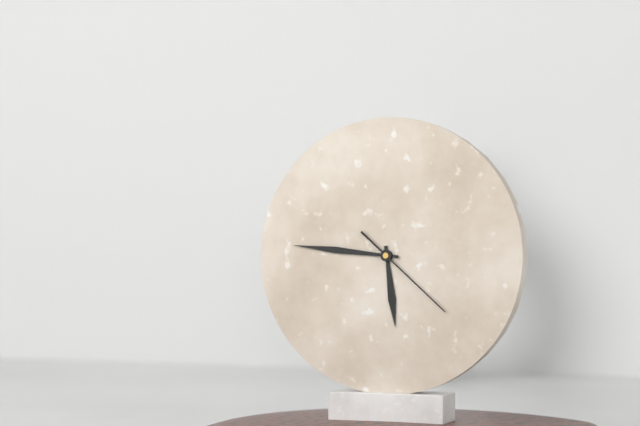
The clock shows 5.46.22
